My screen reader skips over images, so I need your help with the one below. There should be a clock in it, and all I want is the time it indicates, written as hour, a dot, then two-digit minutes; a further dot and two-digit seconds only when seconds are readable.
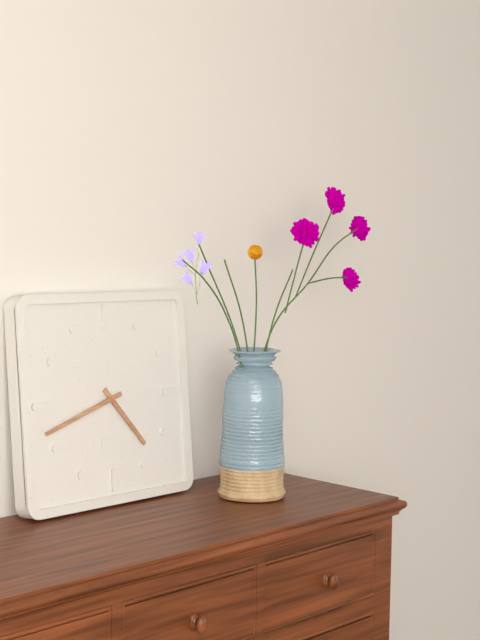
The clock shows 4.42
